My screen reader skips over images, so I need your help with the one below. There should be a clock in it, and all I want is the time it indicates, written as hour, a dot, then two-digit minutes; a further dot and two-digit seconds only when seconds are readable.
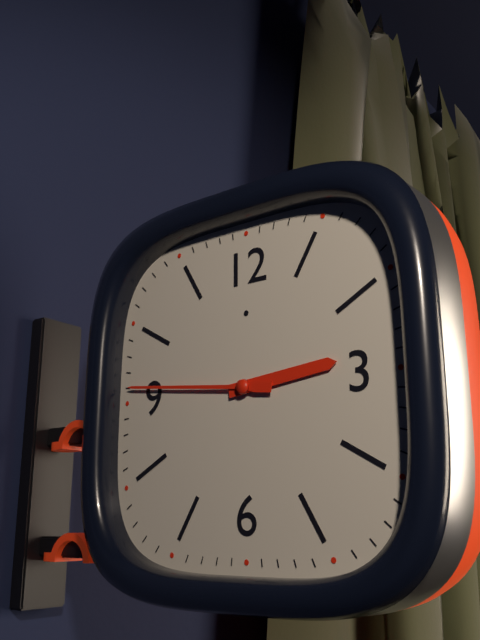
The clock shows 2.46
